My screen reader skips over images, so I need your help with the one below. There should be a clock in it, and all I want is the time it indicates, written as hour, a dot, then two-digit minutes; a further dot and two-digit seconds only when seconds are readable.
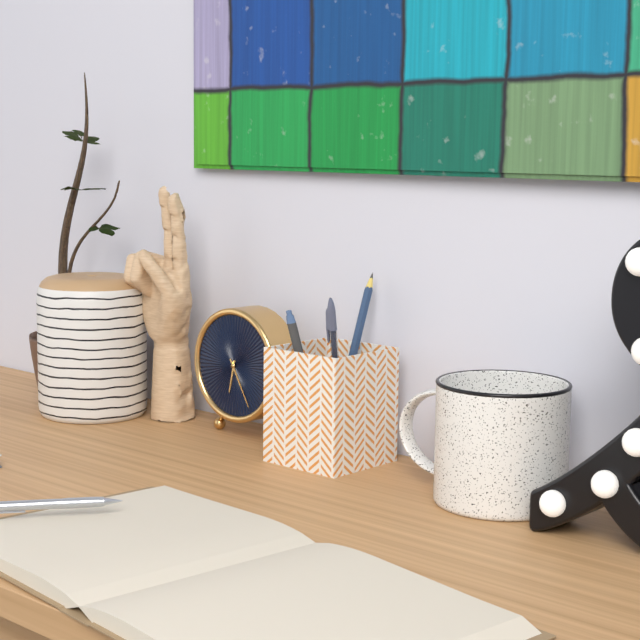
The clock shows 6.25
